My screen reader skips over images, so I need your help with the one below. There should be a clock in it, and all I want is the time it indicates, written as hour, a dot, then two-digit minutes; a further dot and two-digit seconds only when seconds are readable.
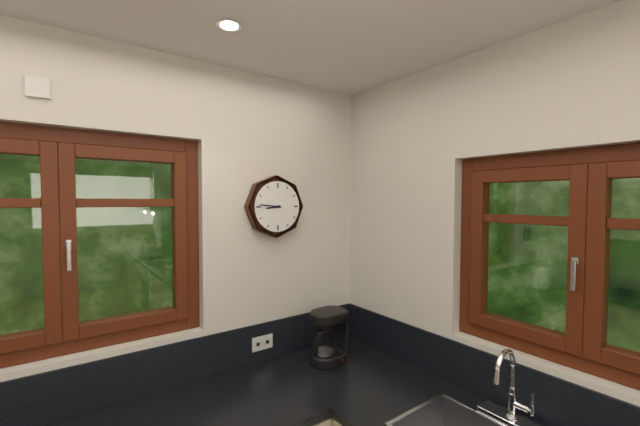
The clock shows 8.46
